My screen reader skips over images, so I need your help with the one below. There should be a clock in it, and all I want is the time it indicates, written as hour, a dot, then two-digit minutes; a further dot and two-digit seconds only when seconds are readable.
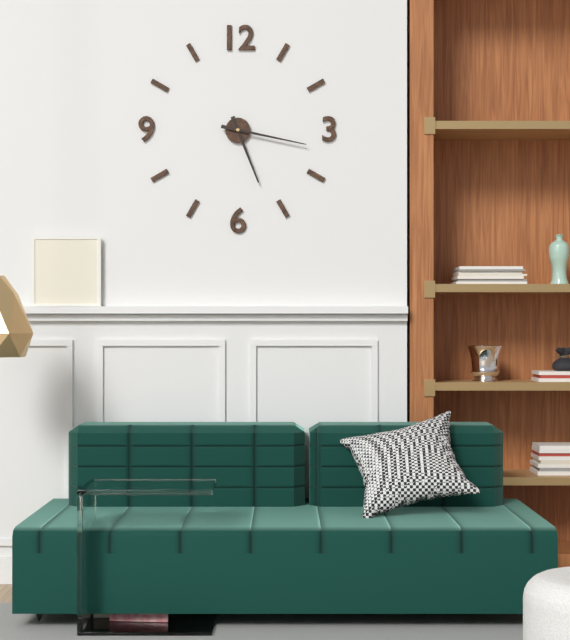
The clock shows 5.17
